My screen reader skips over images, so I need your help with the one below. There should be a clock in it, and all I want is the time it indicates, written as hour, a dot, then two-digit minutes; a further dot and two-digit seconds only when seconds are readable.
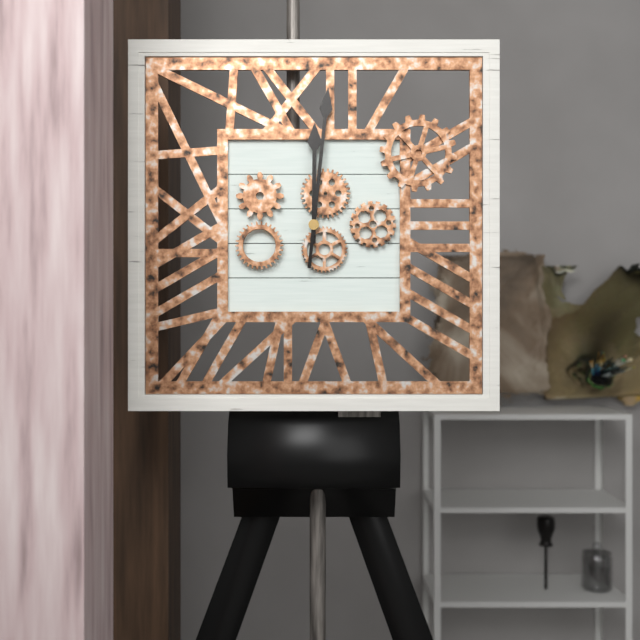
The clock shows 12.01
